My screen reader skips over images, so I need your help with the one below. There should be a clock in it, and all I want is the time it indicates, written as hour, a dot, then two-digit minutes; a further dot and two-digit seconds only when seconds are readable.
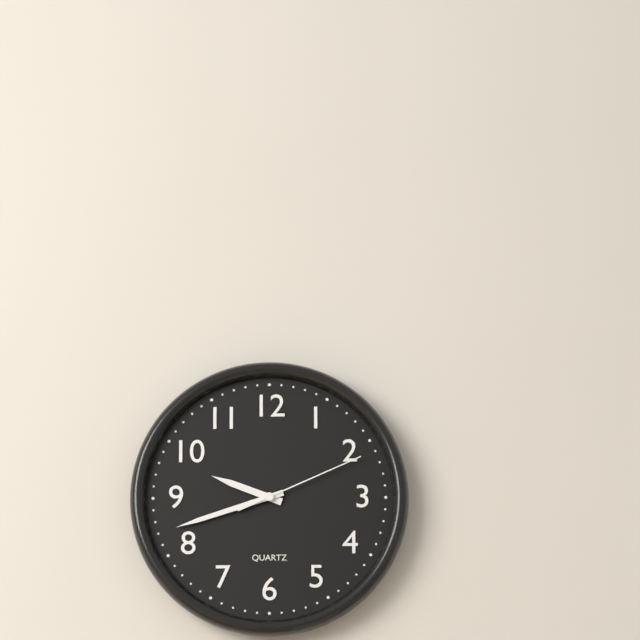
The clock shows 9.42.11
